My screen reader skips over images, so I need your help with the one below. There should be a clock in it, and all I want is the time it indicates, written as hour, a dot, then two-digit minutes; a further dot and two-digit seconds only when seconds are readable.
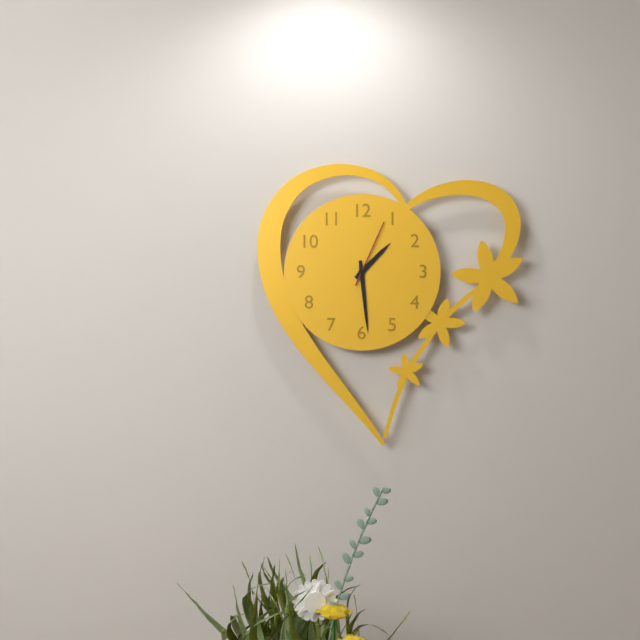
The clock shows 1.29.04
